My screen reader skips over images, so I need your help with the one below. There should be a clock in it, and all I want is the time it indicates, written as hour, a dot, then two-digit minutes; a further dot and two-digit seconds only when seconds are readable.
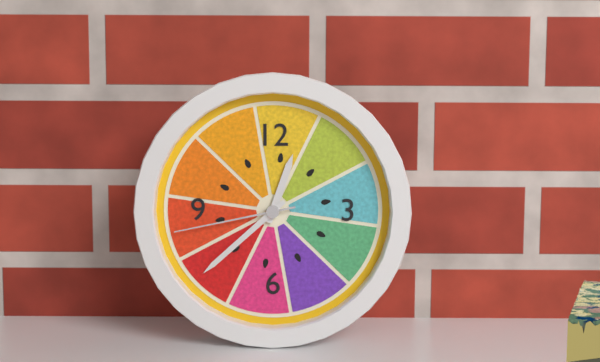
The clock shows 12.38.43
